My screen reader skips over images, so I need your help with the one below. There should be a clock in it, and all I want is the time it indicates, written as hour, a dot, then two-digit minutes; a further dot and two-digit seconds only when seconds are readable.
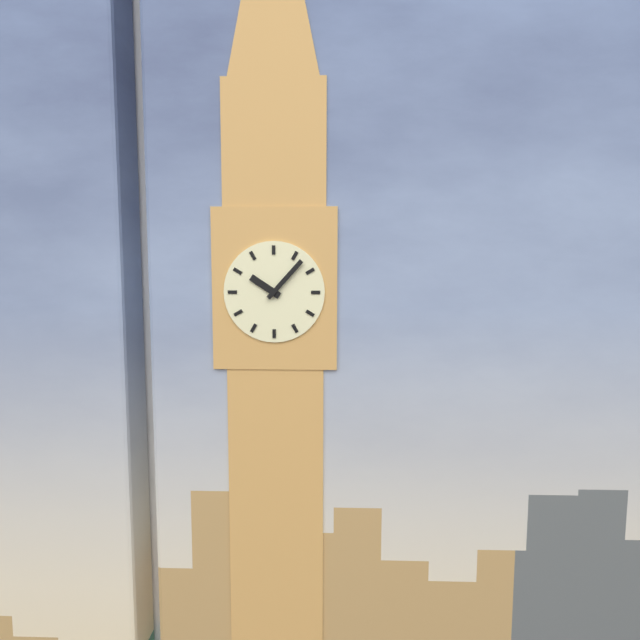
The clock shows 10.07
